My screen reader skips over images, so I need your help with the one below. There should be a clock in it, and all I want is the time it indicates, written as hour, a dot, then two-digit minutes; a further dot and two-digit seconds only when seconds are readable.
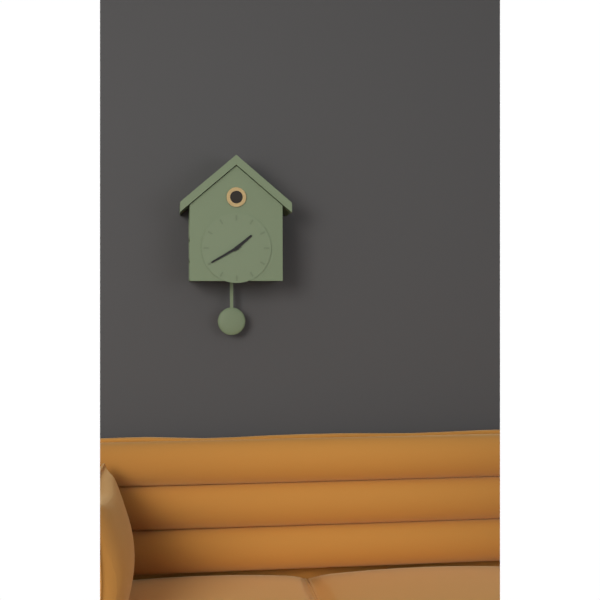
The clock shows 1.40
